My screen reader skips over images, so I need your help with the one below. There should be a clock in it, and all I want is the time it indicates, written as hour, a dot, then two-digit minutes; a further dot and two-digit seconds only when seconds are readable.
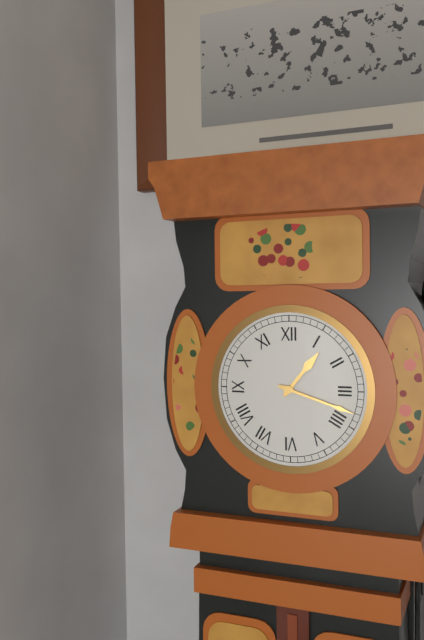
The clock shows 1.18
